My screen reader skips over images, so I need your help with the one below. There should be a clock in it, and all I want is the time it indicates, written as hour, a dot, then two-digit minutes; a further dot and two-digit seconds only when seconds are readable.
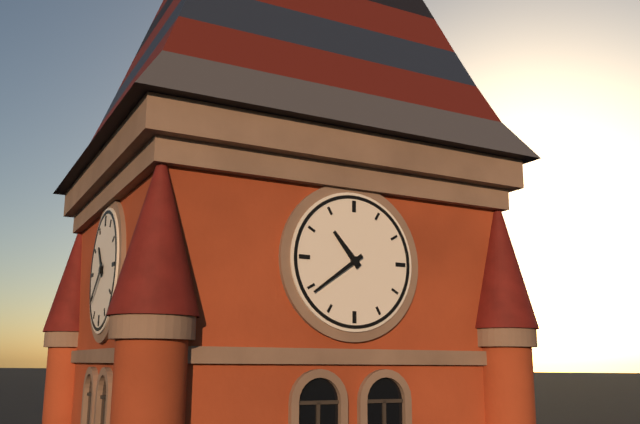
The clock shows 10.39
